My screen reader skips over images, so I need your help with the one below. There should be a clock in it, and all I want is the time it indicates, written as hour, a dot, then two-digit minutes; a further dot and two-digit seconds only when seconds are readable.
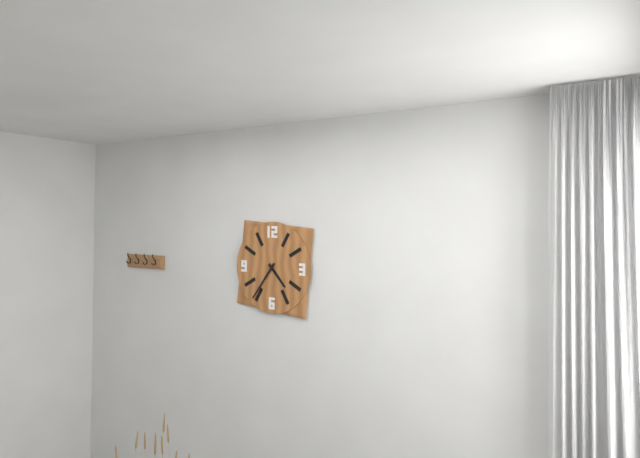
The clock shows 4.36
